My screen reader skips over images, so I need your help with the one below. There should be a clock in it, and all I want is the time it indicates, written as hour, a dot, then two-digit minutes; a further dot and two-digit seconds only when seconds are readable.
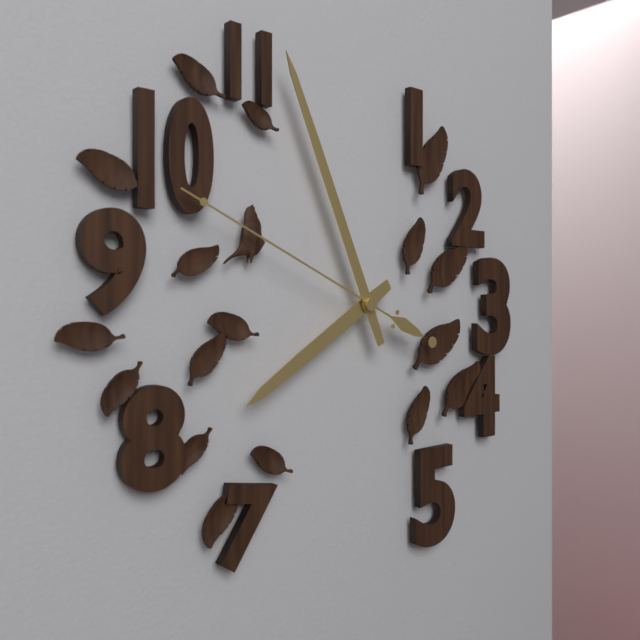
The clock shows 7.56.49
